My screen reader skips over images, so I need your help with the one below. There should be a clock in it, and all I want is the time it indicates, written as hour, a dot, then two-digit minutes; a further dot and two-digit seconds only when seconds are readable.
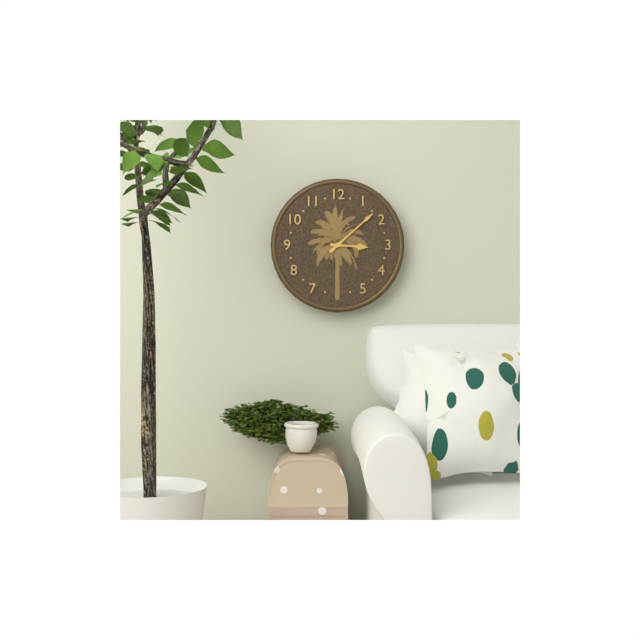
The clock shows 3.08
